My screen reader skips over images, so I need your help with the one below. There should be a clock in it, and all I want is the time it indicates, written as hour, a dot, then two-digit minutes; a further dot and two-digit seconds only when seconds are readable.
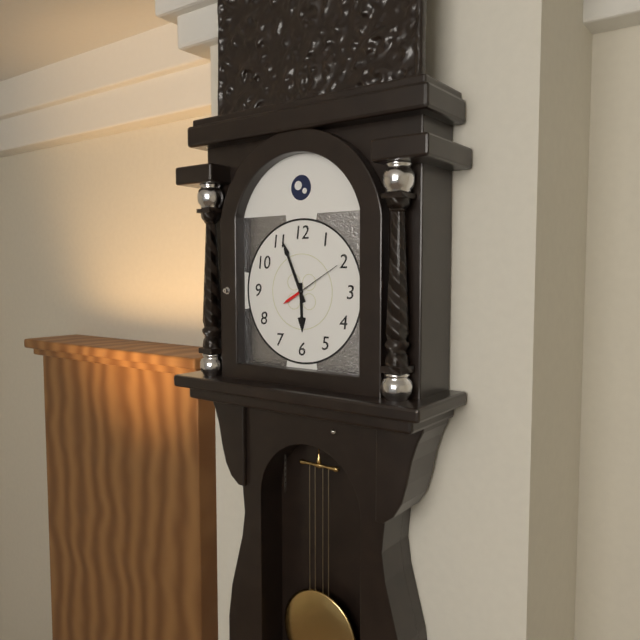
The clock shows 5.56
